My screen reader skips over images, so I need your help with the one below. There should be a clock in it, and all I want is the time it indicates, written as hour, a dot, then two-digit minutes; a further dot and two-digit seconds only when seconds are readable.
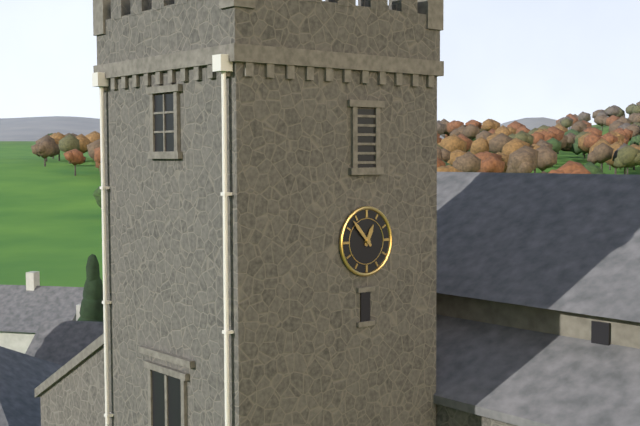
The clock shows 12.53
